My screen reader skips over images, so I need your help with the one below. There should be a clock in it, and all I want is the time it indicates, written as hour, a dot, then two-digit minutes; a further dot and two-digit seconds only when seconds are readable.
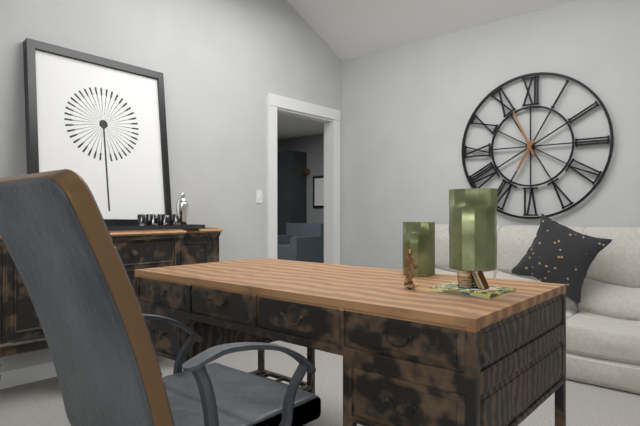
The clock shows 6.56
